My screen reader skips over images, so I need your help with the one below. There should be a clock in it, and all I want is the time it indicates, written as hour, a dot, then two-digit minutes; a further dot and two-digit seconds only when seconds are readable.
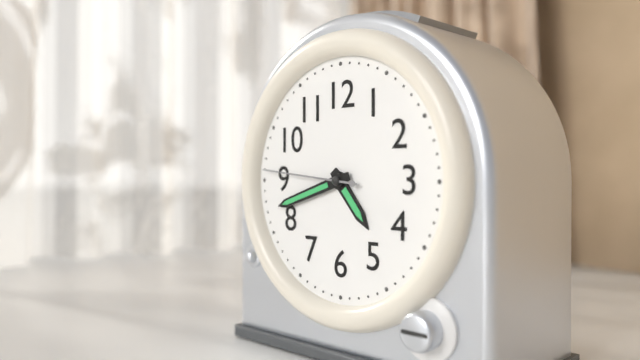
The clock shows 4.42.46
